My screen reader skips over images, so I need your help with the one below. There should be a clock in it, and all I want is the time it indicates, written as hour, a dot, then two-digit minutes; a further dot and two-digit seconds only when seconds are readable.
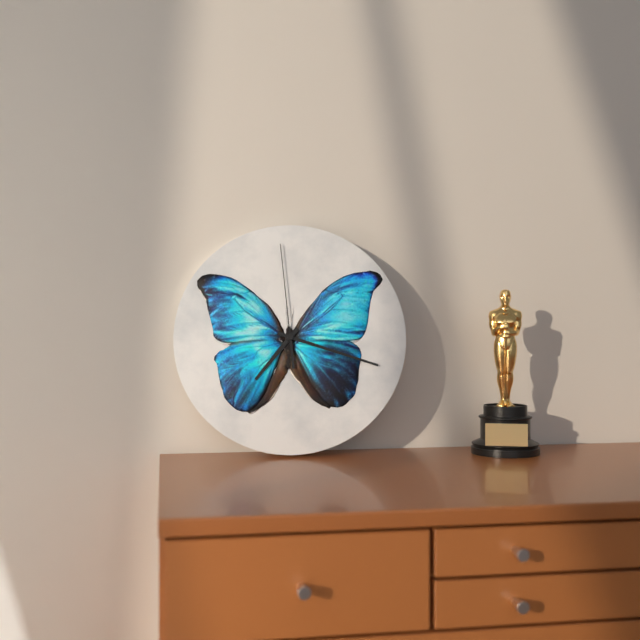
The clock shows 7.18.59
